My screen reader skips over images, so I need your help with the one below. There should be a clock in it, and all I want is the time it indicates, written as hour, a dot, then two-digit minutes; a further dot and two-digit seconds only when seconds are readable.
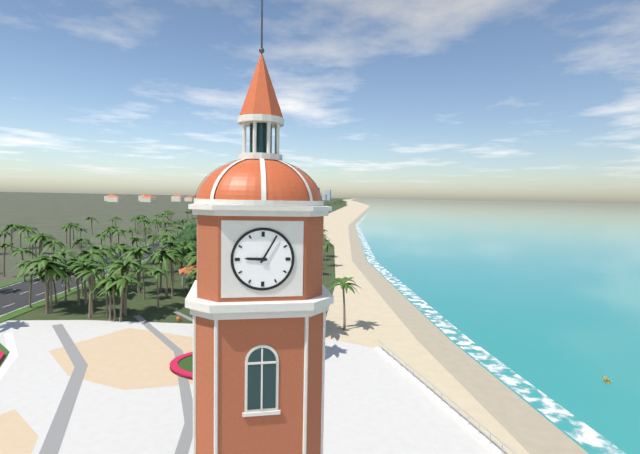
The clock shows 9.05
